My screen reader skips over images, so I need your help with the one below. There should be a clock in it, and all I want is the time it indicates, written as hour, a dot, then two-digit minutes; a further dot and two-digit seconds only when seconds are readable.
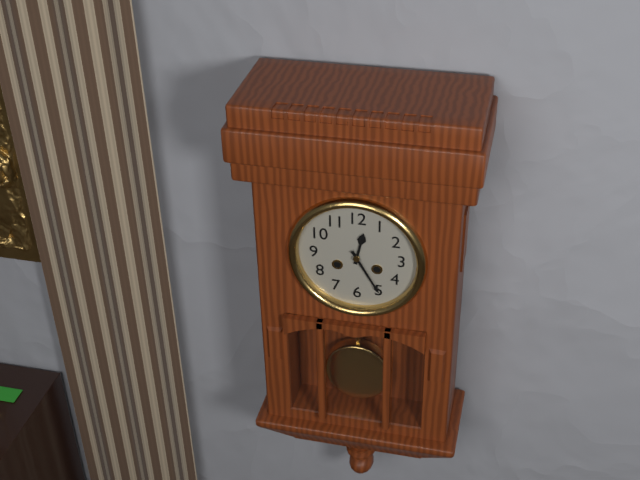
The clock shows 12.25
